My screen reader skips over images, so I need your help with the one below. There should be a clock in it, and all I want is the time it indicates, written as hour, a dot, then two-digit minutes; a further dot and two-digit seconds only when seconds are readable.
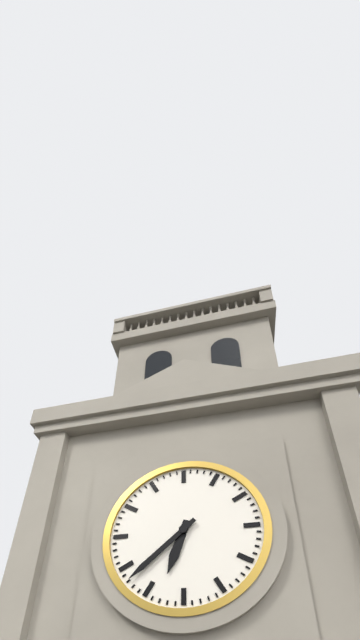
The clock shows 6.38
